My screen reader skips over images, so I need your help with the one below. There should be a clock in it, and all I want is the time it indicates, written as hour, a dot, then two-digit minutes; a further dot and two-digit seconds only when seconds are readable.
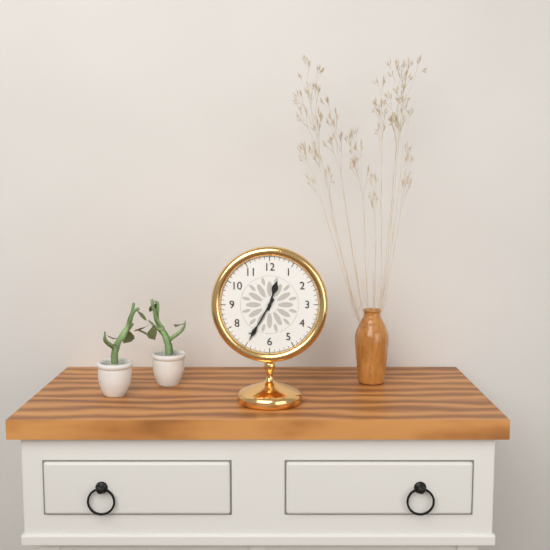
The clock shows 12.35
